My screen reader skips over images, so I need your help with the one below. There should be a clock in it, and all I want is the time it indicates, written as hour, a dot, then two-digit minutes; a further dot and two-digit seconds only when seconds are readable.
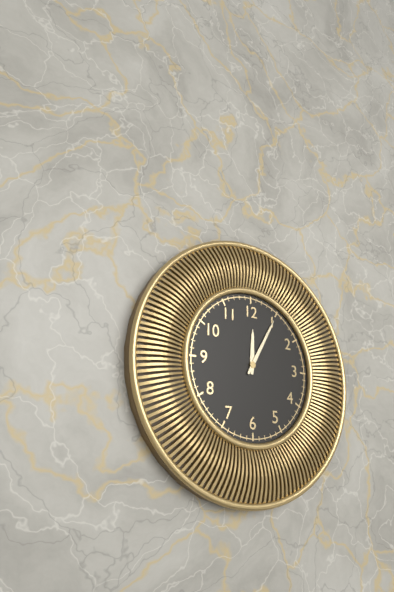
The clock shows 12.05
